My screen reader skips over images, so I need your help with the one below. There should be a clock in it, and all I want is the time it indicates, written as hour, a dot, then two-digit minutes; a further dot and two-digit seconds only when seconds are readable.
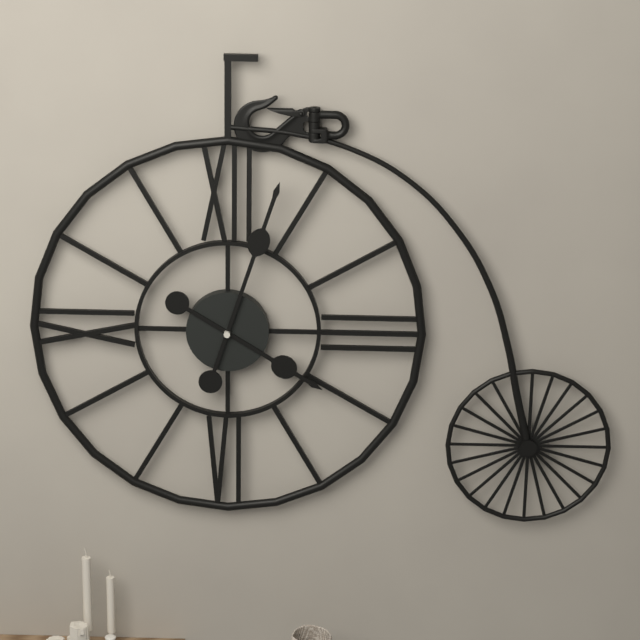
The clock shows 4.03
